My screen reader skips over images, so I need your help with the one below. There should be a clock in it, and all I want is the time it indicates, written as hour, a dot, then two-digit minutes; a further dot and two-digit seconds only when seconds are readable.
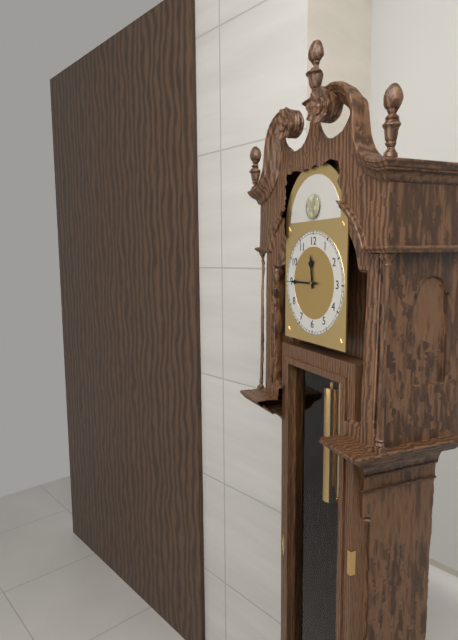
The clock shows 11.45
